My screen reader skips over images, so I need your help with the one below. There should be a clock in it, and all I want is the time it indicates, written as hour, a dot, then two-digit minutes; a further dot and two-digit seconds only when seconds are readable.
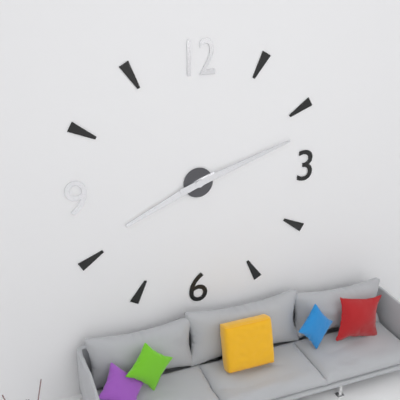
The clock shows 8.12
